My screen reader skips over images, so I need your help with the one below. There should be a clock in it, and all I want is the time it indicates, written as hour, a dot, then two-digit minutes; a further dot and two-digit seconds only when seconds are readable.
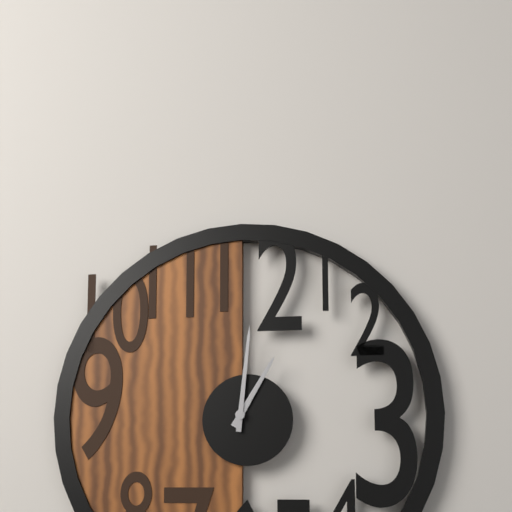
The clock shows 1.01
